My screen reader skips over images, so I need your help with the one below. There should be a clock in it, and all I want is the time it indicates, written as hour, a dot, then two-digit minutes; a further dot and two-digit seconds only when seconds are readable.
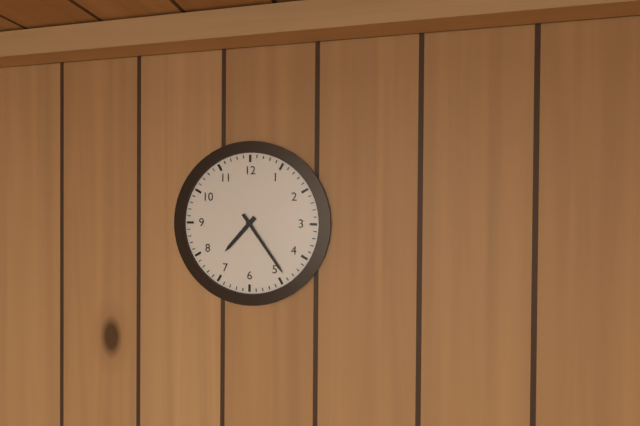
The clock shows 7.24
